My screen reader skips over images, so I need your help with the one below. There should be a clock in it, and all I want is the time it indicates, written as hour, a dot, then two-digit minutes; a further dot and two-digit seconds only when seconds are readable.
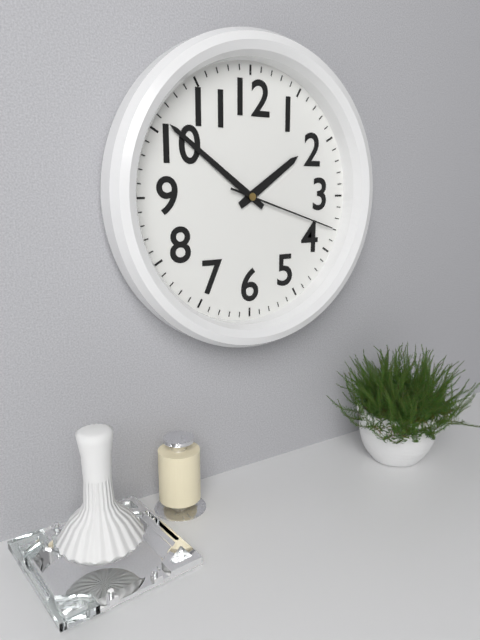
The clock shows 1.51.18
